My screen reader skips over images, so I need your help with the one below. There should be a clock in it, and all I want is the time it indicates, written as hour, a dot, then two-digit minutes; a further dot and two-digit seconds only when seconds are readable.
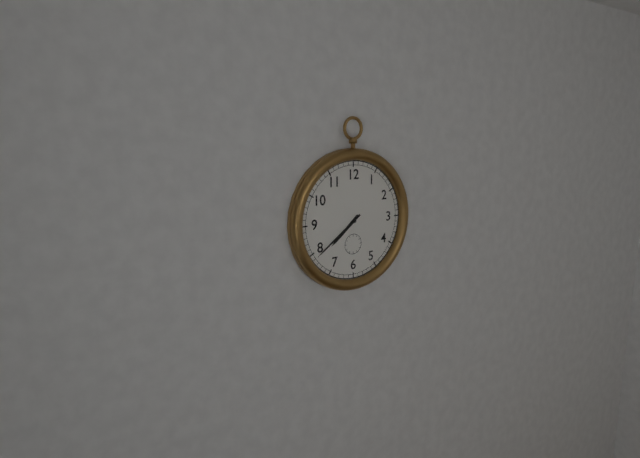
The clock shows 7.39
